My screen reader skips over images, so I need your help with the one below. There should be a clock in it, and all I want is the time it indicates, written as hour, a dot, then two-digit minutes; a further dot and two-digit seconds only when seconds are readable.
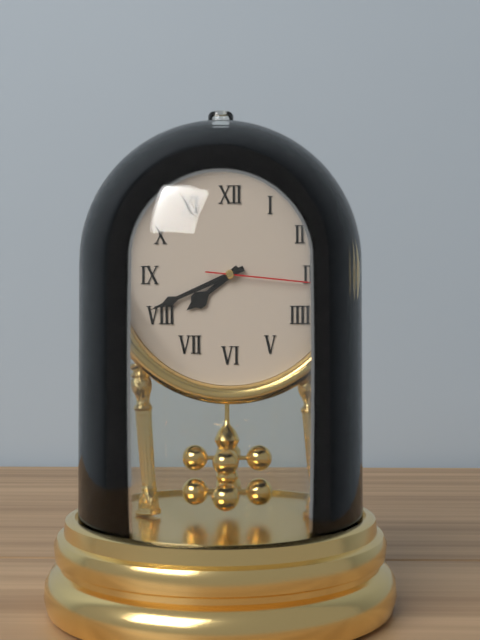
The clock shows 7.41.16
